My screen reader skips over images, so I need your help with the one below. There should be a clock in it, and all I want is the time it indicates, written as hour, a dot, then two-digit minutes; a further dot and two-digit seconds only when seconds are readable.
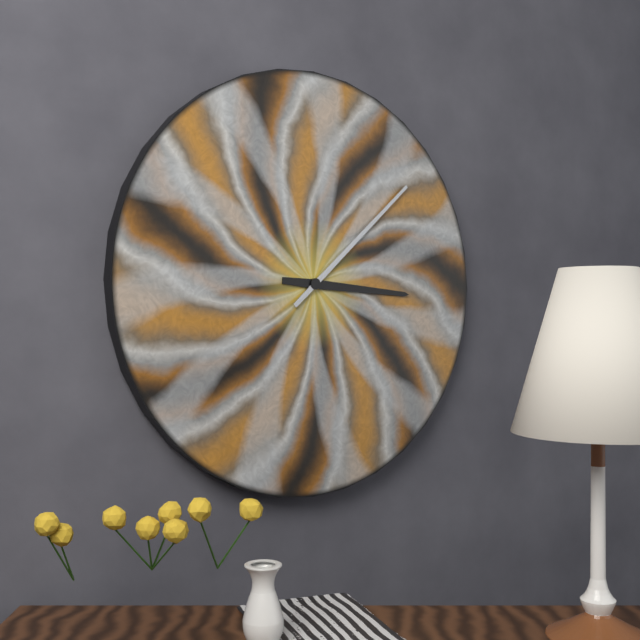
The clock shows 3.08
